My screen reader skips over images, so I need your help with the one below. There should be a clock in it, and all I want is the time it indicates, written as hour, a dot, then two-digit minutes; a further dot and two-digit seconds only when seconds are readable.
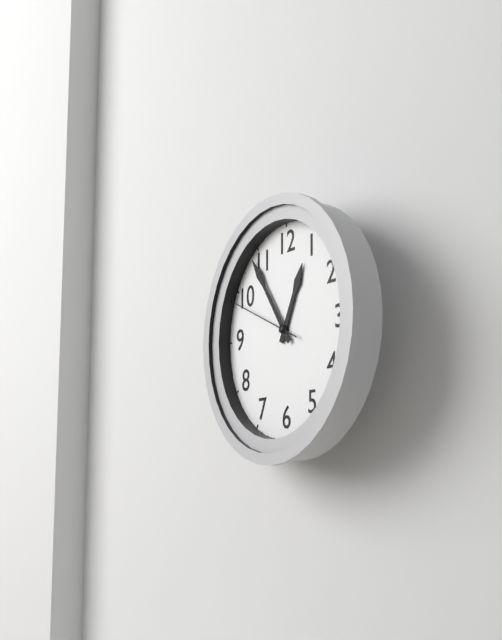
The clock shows 12.54.49
